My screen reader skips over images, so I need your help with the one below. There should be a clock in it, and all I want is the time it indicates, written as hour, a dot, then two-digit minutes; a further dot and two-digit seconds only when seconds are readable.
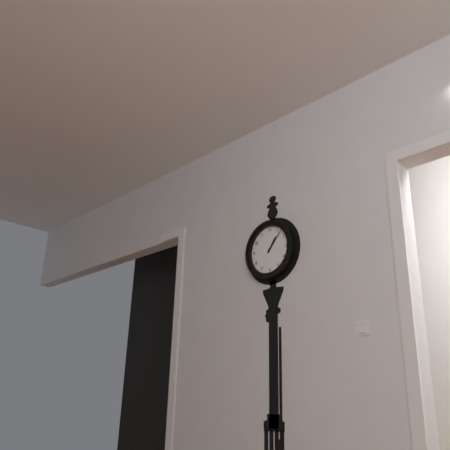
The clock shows 1.07
